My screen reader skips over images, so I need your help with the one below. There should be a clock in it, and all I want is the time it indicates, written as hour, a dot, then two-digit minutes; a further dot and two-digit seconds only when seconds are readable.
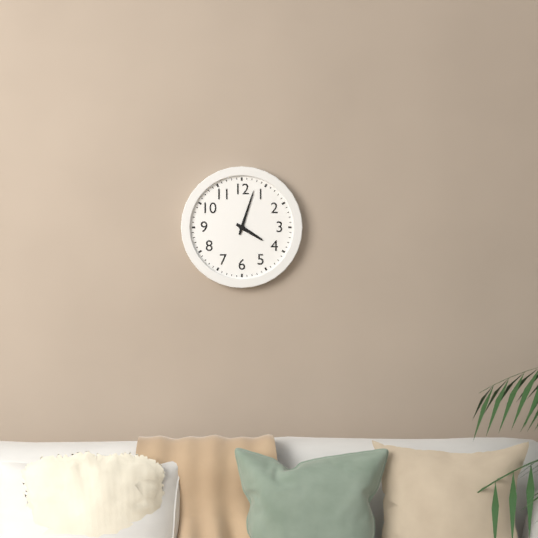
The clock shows 4.03
